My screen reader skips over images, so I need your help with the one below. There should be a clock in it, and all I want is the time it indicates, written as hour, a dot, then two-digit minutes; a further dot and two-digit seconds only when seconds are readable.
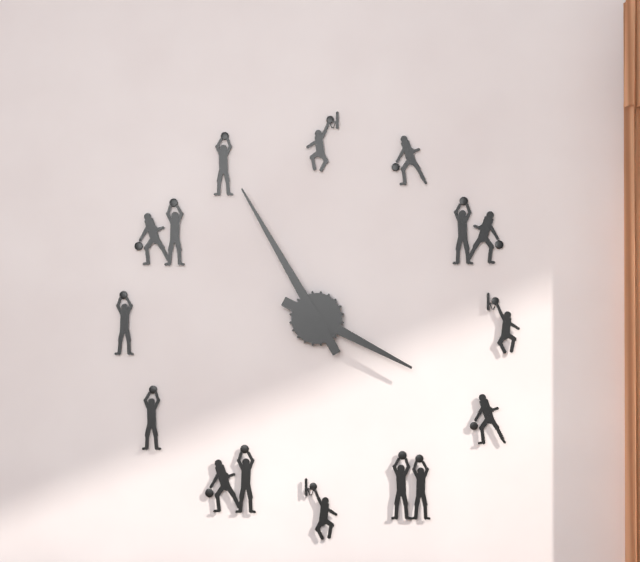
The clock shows 3.55
